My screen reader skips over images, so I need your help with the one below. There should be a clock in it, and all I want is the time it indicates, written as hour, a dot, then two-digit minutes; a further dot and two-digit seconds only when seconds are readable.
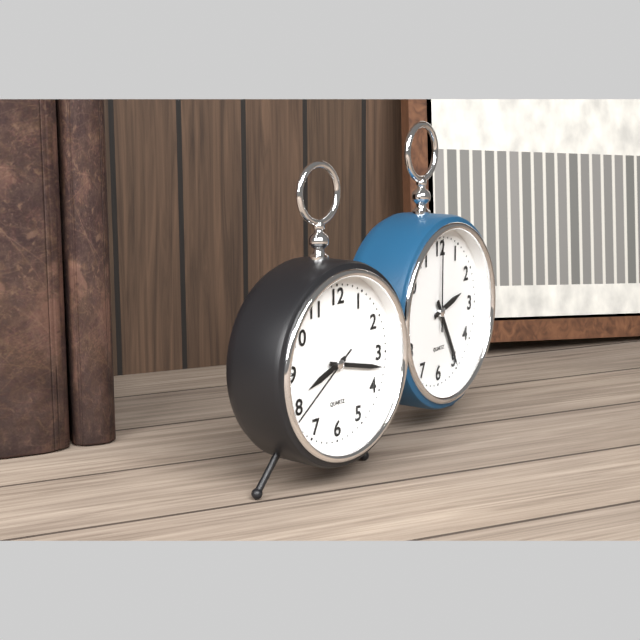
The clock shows 8.17.39
